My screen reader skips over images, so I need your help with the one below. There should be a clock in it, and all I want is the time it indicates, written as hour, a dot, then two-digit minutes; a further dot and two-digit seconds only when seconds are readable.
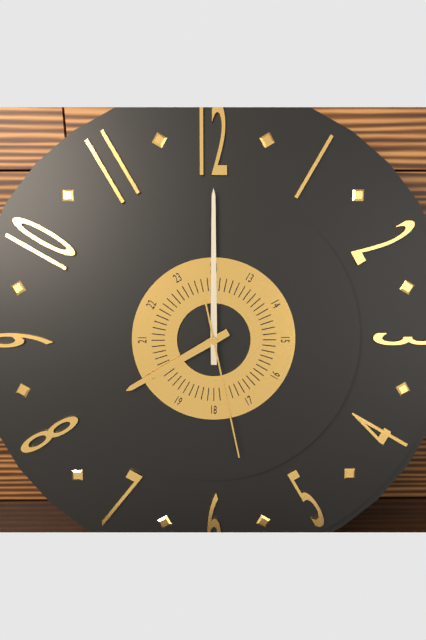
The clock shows 8.00.28
